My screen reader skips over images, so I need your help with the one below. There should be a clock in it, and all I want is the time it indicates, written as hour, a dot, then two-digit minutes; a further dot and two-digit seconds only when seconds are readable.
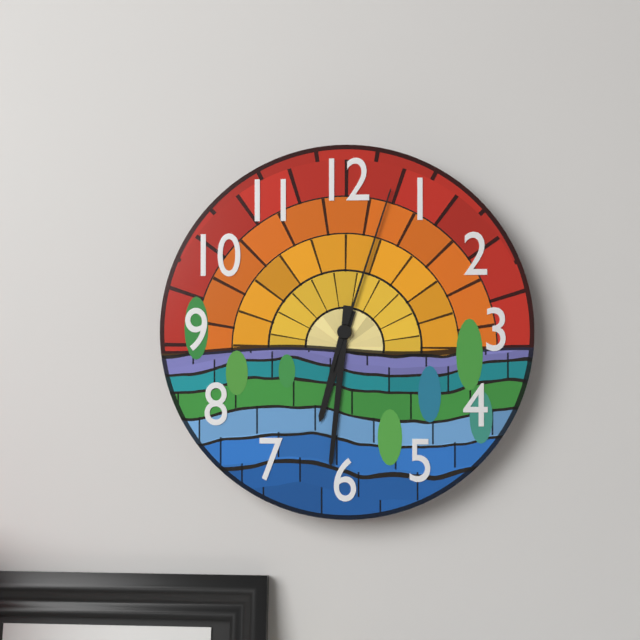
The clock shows 6.31.03
